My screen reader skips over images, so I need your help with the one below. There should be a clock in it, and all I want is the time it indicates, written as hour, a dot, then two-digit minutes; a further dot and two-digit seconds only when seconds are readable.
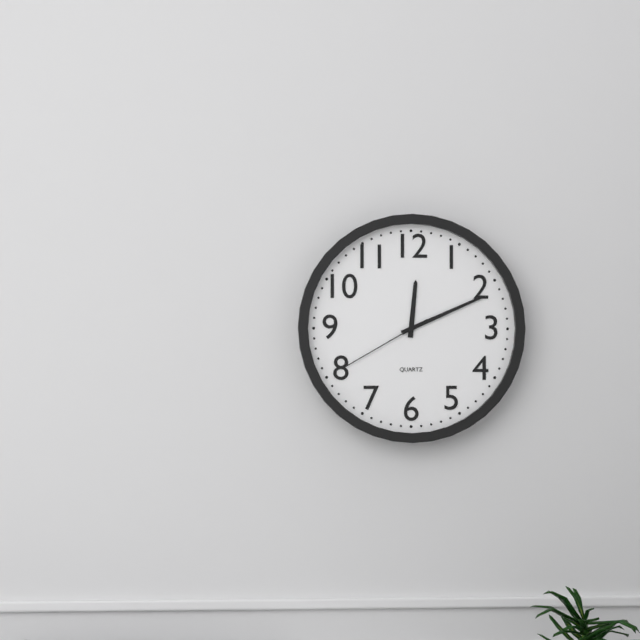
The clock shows 12.11.40
